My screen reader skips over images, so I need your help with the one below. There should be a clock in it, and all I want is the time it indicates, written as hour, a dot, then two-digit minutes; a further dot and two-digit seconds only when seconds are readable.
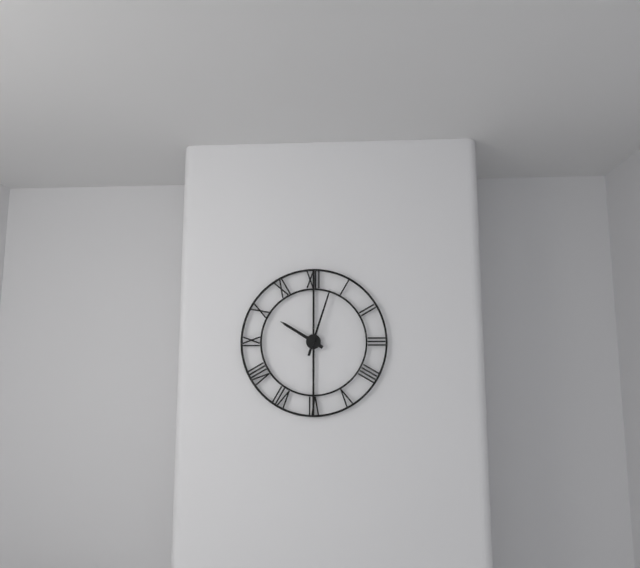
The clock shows 10.03
